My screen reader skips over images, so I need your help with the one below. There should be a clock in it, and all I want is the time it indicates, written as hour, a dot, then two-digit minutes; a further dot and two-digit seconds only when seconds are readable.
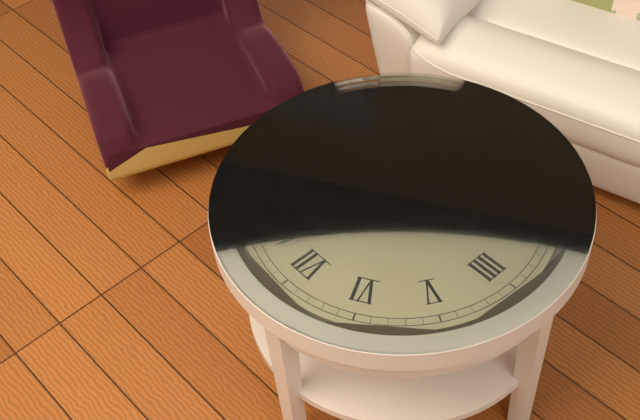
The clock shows 2.38
